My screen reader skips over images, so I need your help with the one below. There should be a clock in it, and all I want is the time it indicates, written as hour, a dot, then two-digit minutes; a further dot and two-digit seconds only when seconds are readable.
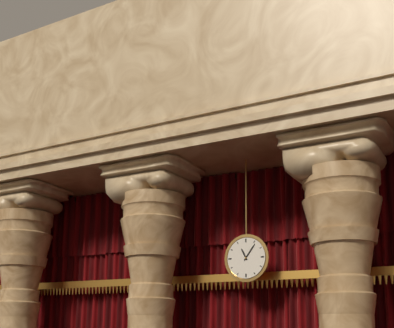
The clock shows 11.06
